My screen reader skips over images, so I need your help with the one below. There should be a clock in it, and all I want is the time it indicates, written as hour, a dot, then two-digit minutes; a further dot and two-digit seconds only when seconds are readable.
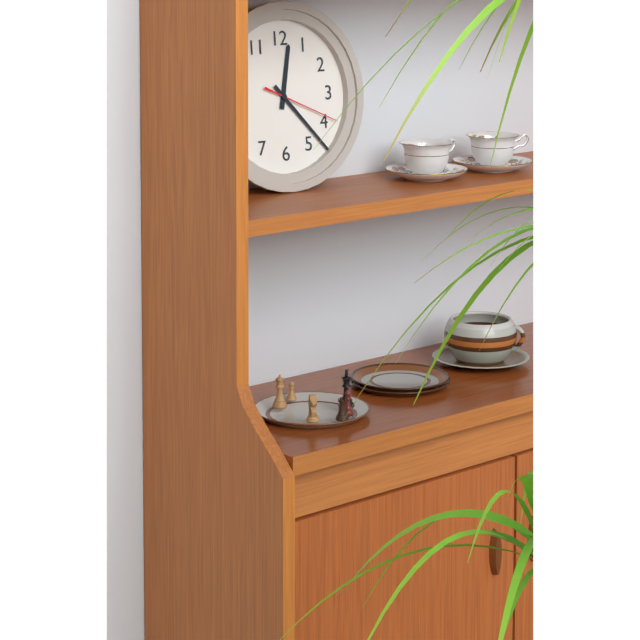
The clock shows 12.23.19
